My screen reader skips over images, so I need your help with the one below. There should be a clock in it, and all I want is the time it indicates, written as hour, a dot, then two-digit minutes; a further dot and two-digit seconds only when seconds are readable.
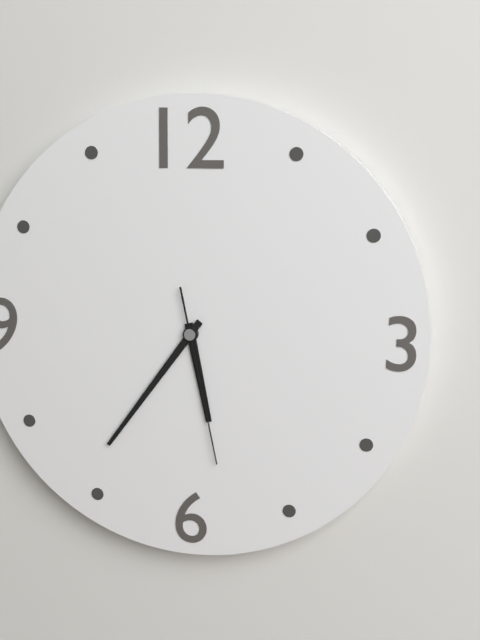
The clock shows 5.36.28
